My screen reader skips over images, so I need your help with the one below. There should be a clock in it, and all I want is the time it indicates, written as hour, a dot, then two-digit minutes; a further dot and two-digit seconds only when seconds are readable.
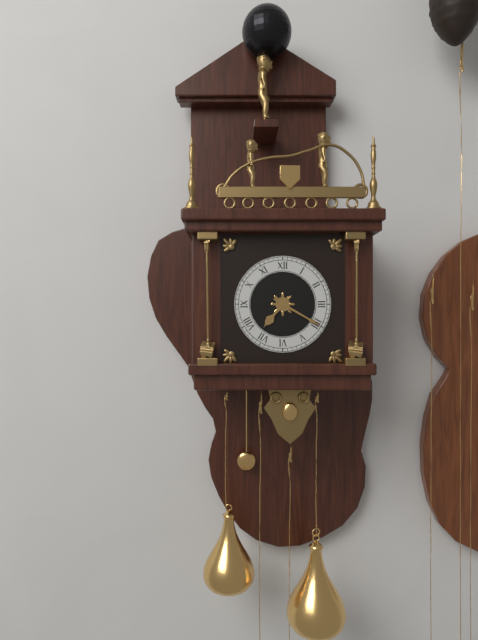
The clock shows 7.20
